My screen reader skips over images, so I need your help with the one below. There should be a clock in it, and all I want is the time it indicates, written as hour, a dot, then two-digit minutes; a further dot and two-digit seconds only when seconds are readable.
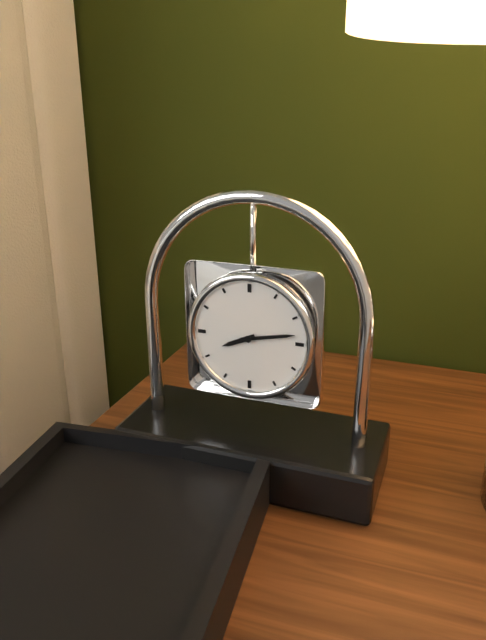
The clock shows 8.13
